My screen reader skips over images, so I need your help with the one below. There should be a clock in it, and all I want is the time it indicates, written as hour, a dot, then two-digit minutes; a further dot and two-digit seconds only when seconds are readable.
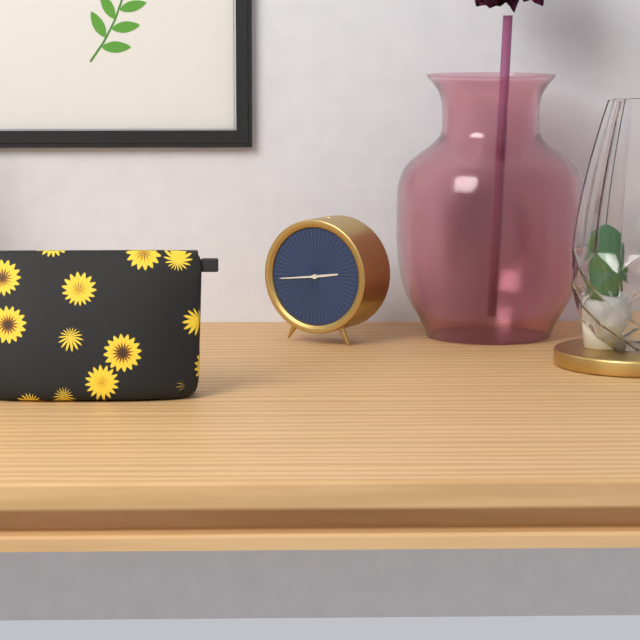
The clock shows 2.44
